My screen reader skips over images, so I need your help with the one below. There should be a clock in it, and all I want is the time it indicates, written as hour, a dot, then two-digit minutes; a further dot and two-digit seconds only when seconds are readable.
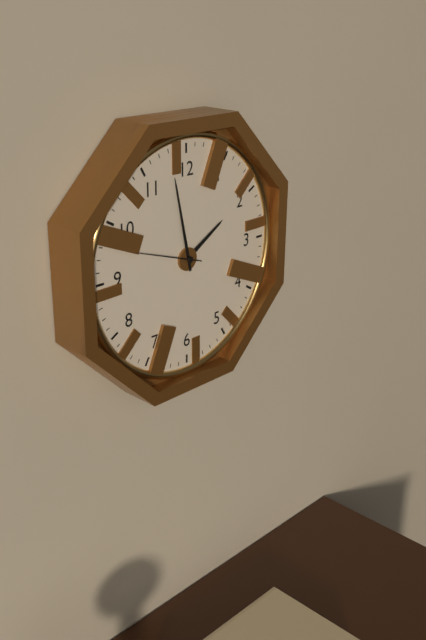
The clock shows 1.58.48
